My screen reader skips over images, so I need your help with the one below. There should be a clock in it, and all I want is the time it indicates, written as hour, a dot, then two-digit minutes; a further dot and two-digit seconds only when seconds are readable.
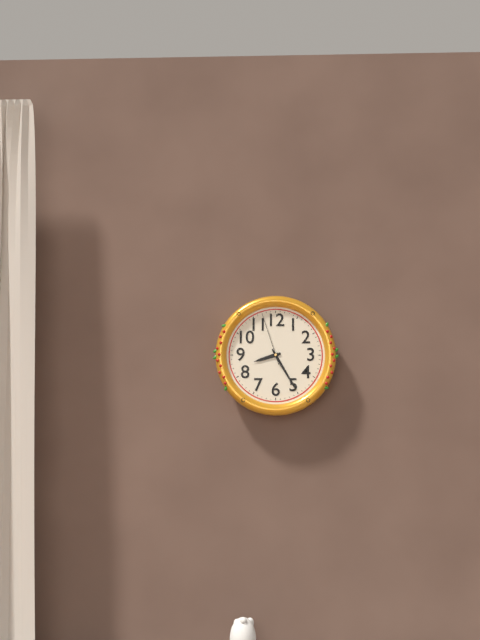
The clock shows 8.25.57
